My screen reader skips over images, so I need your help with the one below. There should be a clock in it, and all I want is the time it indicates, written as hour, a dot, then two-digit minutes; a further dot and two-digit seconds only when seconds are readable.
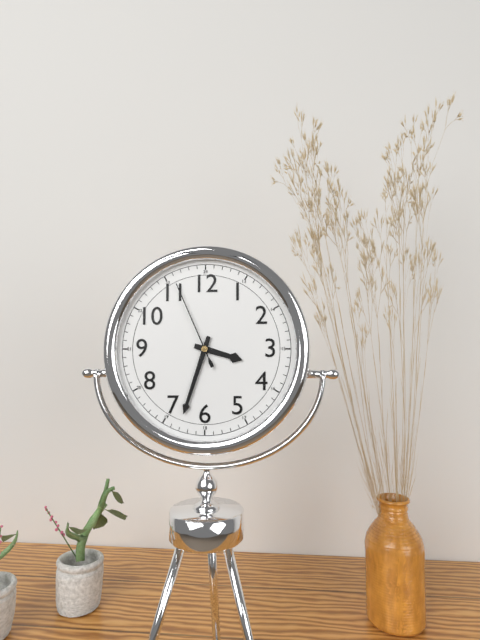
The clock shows 3.33.56
